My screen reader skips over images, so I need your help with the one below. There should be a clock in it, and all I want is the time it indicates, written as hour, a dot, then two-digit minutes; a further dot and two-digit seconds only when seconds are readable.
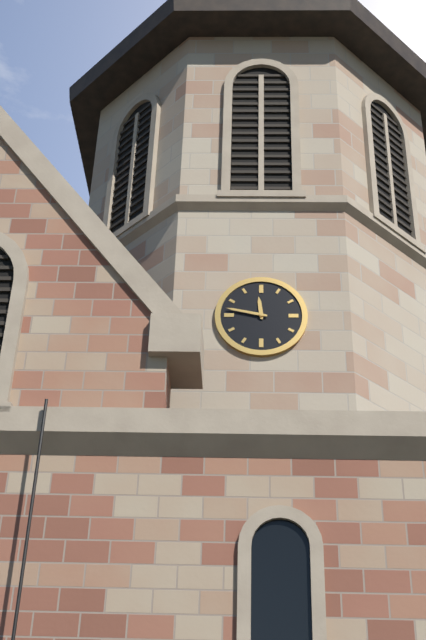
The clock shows 11.47
